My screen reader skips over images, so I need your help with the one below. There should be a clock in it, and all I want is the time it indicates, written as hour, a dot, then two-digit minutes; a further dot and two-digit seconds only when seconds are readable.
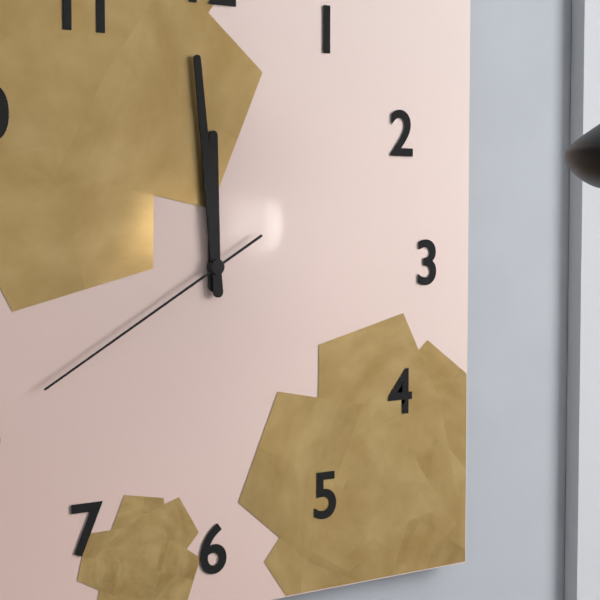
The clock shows 11.59.40
